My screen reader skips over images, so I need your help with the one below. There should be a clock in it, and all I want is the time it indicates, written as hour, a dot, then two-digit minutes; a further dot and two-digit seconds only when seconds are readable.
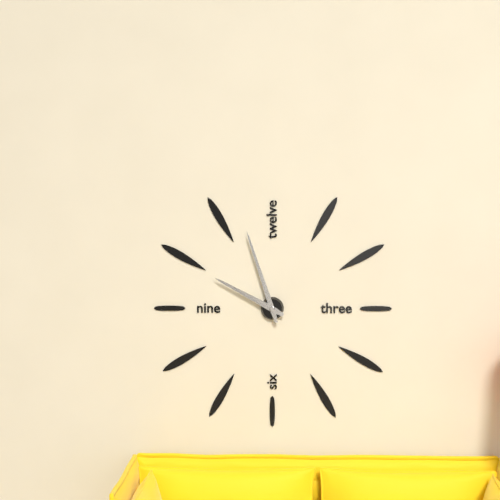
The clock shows 9.57
